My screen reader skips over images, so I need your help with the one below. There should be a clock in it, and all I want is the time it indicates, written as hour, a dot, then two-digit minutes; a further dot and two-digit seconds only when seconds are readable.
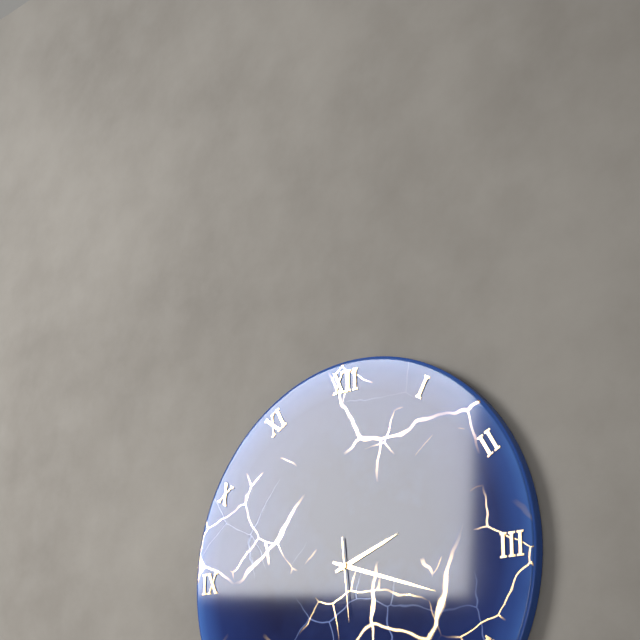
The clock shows 2.18.29
